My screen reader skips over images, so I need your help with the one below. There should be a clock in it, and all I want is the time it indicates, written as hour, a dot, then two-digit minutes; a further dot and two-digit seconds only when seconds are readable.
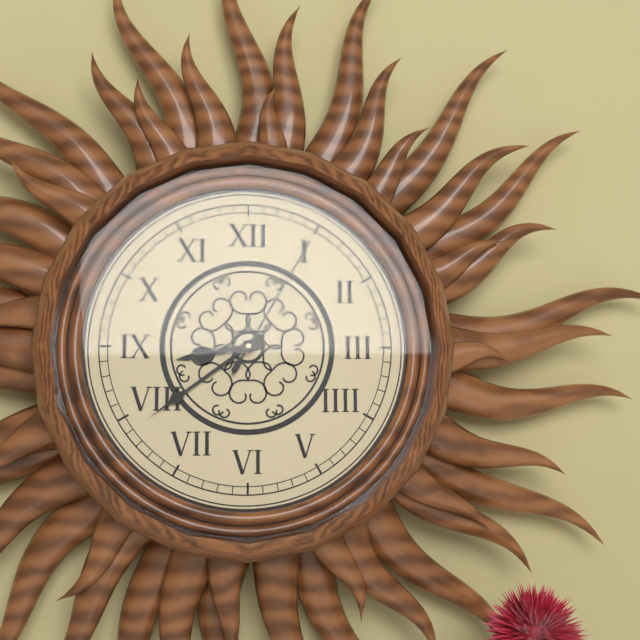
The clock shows 8.39.05
